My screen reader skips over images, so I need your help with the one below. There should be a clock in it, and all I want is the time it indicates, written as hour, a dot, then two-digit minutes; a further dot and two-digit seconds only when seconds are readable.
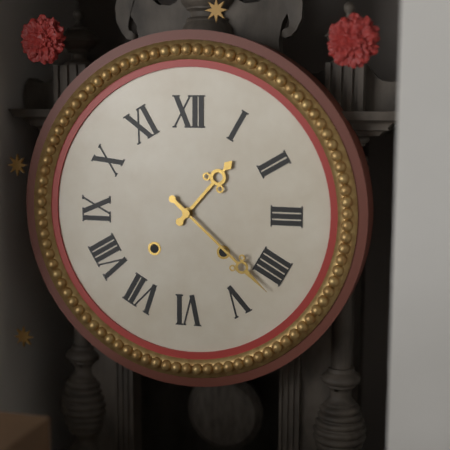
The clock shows 1.22
